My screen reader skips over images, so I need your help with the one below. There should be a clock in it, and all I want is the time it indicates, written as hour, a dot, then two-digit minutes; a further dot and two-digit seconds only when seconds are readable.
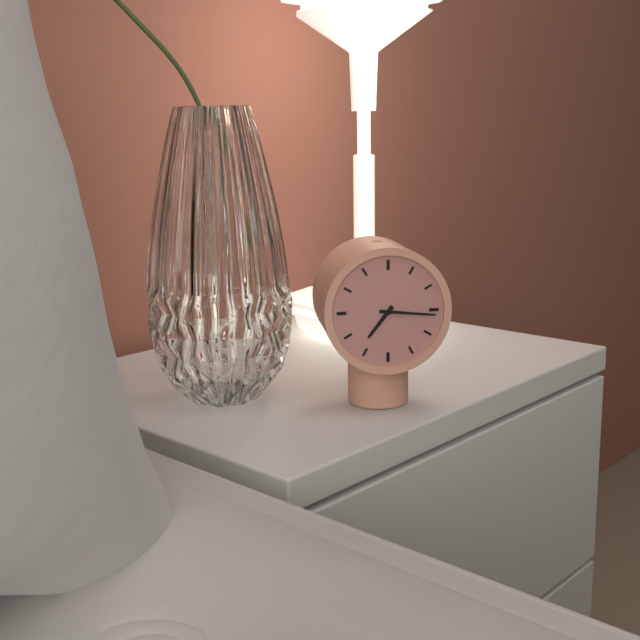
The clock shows 7.16
